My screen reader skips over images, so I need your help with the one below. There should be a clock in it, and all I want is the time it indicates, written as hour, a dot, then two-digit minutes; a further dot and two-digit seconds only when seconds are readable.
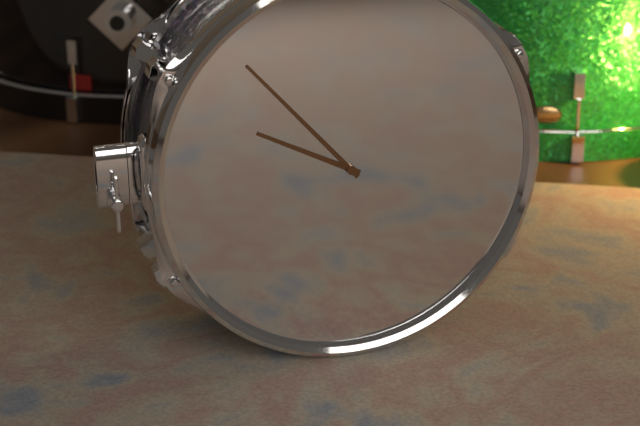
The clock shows 9.53
